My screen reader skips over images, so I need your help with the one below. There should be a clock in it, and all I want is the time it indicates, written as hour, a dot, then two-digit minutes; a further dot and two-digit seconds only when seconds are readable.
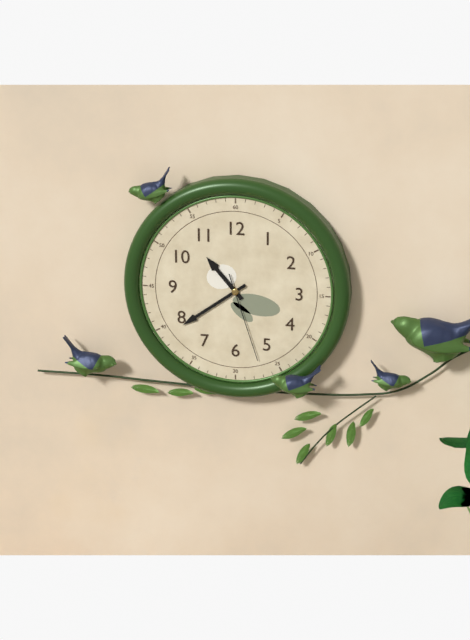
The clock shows 10.39.27
